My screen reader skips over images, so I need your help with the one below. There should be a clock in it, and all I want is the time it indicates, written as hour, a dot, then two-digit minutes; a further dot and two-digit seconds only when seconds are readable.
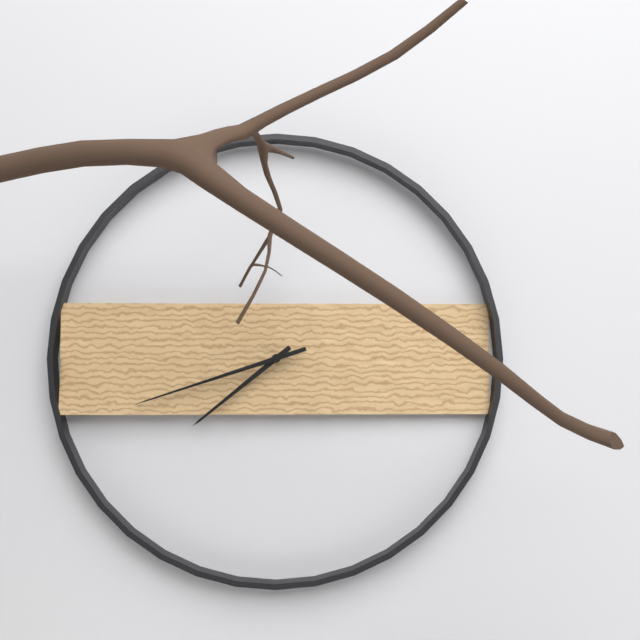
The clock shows 7.42
